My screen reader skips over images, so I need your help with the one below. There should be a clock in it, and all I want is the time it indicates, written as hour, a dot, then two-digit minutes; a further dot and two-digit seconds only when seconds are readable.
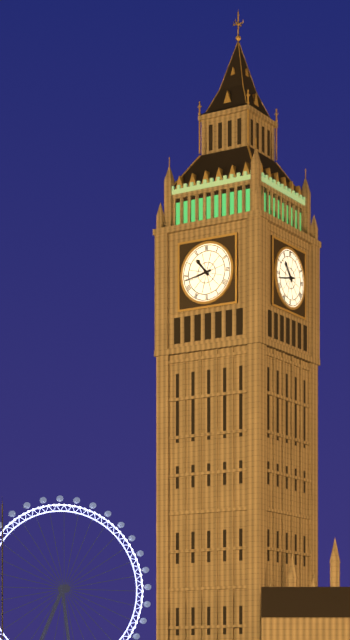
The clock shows 10.43
